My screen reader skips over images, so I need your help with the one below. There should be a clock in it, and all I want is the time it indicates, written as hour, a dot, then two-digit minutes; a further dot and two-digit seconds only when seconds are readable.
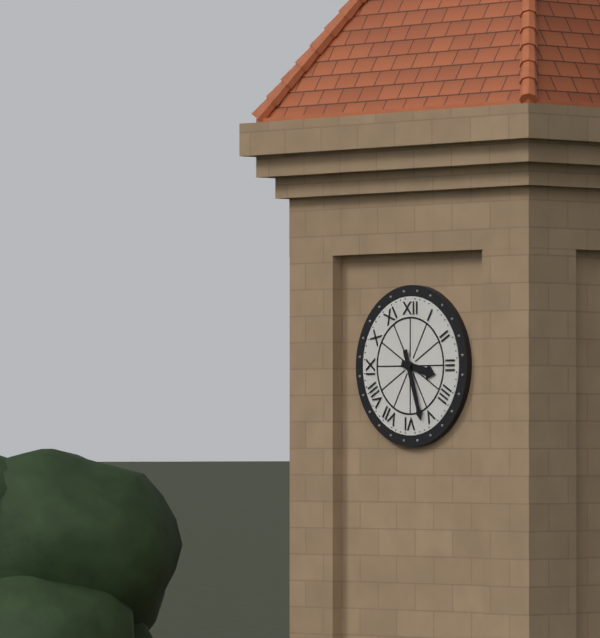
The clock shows 3.27
